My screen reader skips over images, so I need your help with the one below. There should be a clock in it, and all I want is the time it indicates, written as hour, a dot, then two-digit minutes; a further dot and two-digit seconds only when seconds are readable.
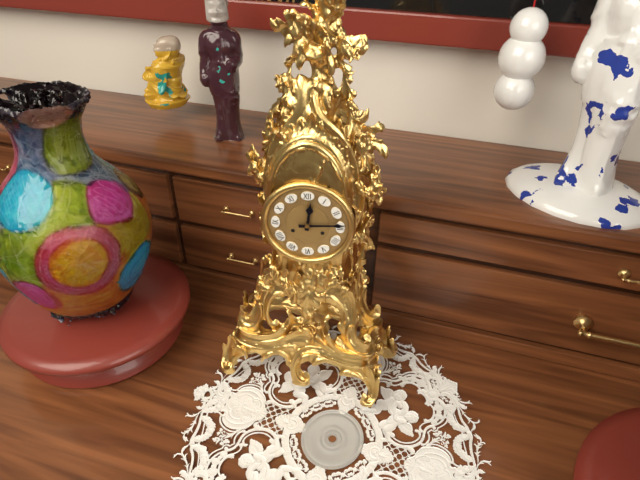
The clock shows 12.14
